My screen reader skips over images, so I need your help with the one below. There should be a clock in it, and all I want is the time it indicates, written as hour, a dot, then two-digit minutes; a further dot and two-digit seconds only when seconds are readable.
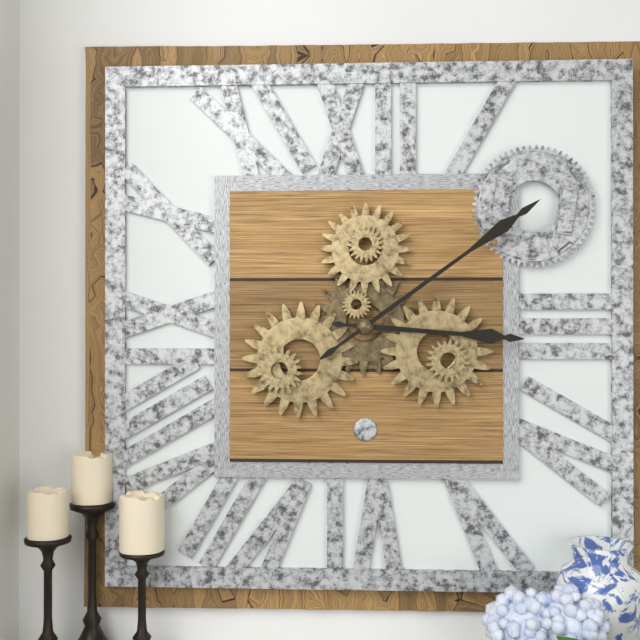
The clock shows 3.09
